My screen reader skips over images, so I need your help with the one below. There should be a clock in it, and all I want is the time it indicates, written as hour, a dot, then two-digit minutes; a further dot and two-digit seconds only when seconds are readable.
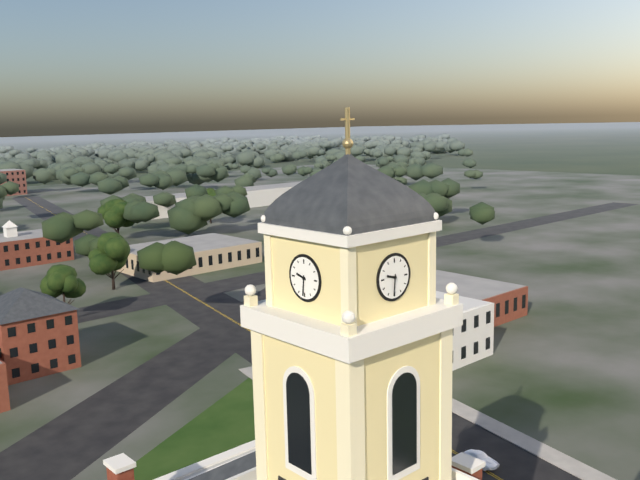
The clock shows 9.31
